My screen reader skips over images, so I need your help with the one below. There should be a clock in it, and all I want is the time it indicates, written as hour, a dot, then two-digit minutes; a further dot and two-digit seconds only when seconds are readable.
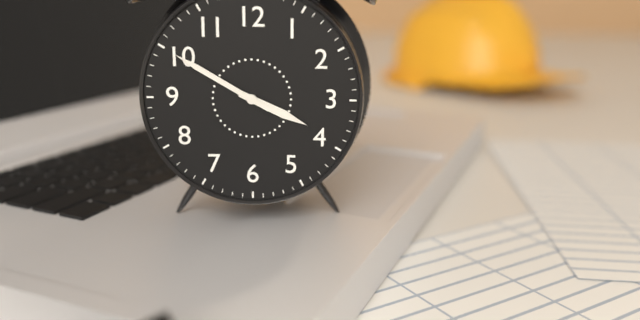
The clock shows 3.50
